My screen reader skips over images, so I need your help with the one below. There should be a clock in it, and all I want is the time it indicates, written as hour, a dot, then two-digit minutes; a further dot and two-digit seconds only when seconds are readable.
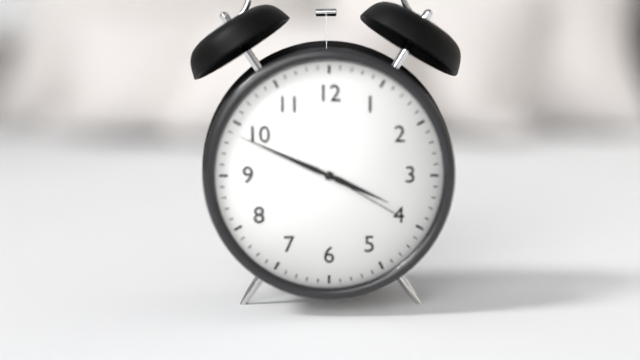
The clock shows 3.49.20
